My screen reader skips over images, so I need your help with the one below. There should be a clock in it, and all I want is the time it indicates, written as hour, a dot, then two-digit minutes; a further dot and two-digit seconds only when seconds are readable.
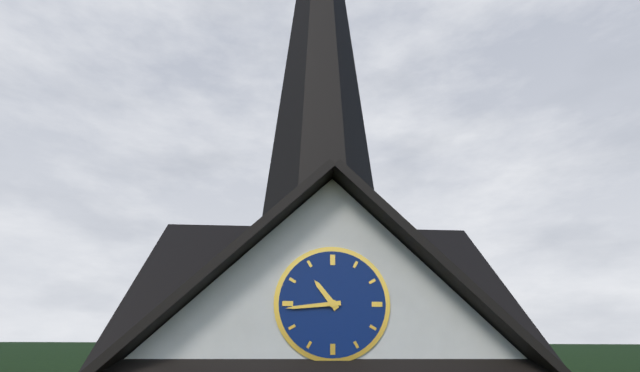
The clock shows 10.44
